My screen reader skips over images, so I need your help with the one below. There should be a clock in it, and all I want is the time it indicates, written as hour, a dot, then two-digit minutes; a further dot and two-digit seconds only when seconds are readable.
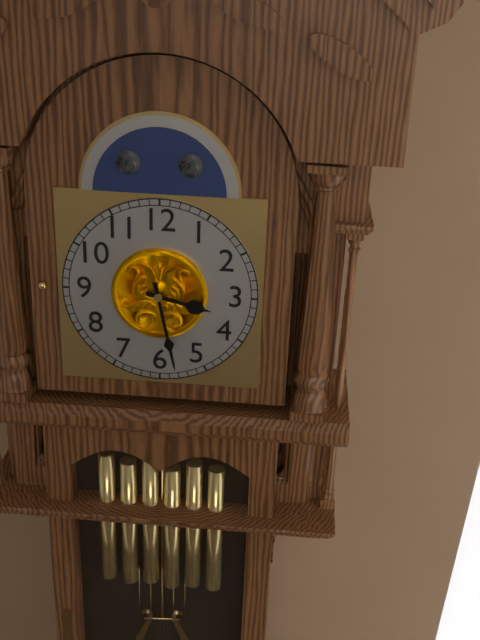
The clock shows 3.28
